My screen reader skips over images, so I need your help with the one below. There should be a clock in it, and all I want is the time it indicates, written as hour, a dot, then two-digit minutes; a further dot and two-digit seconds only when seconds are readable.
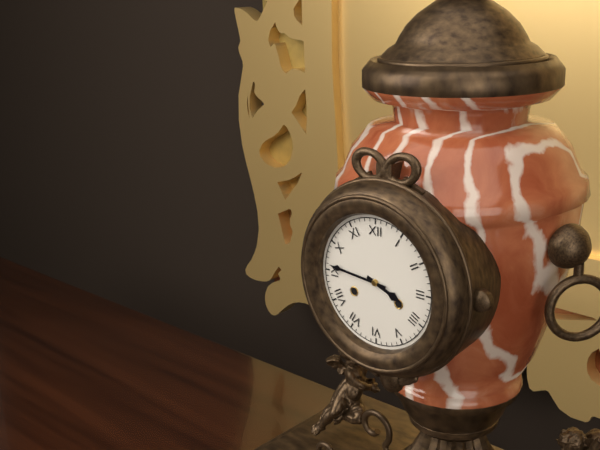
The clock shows 3.46
